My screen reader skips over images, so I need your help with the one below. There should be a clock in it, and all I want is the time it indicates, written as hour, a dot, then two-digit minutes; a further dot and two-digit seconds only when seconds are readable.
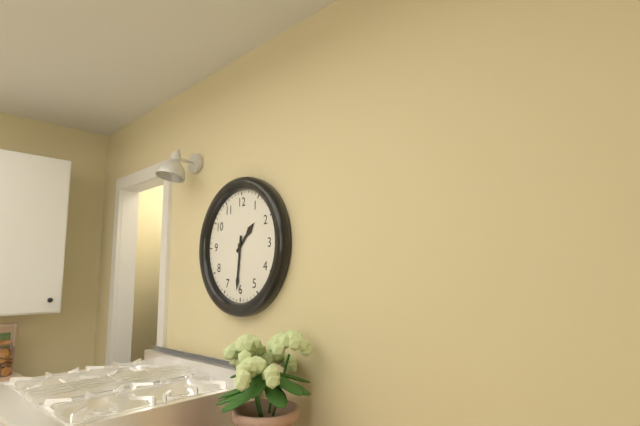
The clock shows 1.31
